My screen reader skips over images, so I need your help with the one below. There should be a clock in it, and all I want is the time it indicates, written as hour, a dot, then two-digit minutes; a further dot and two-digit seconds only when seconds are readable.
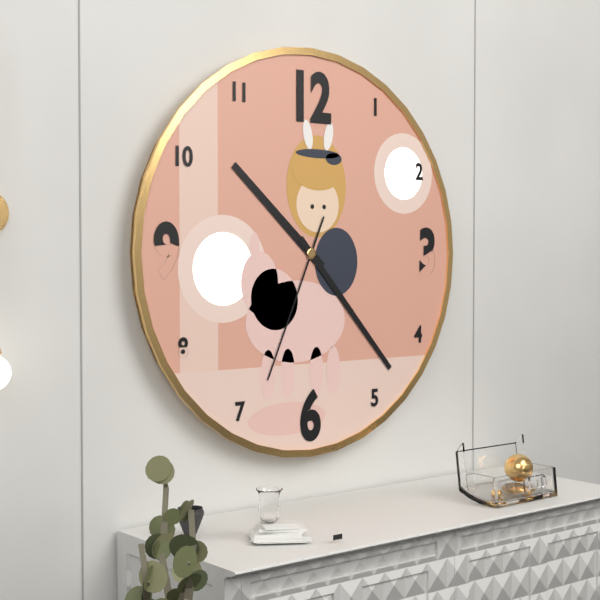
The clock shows 10.23.34
